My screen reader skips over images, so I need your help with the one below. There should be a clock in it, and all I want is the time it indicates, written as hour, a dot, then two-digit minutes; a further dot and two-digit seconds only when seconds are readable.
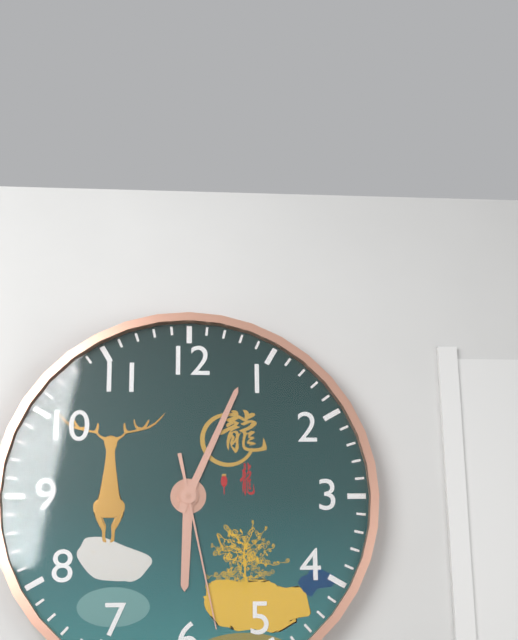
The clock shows 6.04.28
